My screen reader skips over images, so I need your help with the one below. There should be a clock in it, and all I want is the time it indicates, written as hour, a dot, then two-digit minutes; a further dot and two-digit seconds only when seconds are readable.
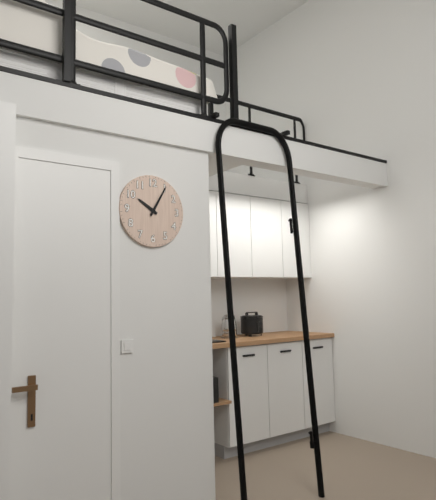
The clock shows 10.05
